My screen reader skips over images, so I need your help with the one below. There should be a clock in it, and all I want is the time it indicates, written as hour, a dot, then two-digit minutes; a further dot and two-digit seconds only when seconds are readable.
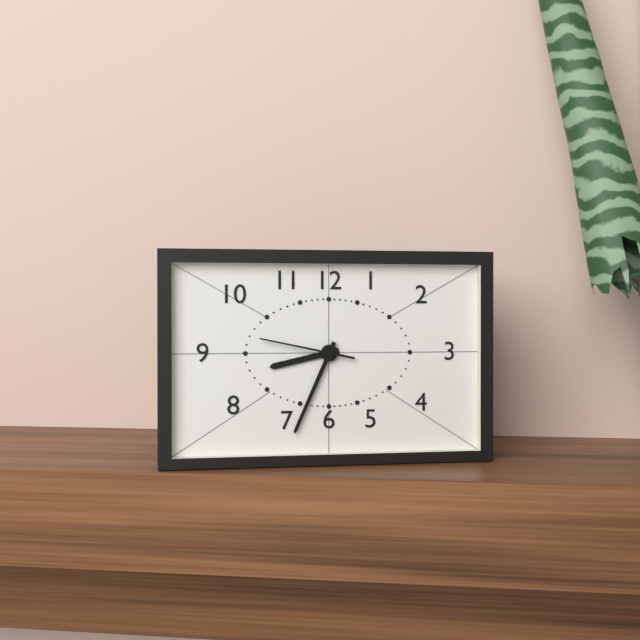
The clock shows 8.34.47
